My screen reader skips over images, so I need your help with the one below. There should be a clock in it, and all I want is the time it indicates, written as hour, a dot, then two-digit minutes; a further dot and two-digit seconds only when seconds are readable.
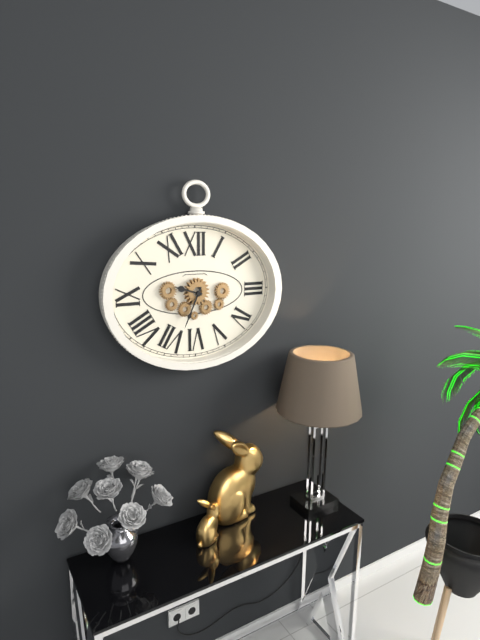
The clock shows 9.34
